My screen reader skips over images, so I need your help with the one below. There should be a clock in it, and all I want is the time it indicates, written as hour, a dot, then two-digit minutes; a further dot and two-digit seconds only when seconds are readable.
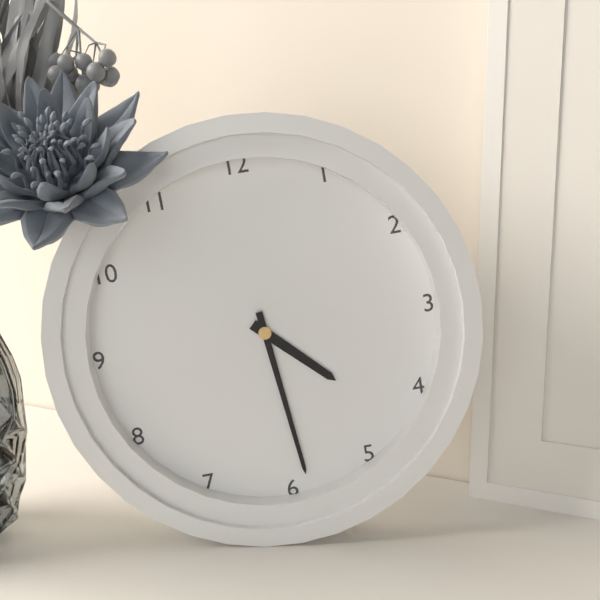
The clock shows 4.29
